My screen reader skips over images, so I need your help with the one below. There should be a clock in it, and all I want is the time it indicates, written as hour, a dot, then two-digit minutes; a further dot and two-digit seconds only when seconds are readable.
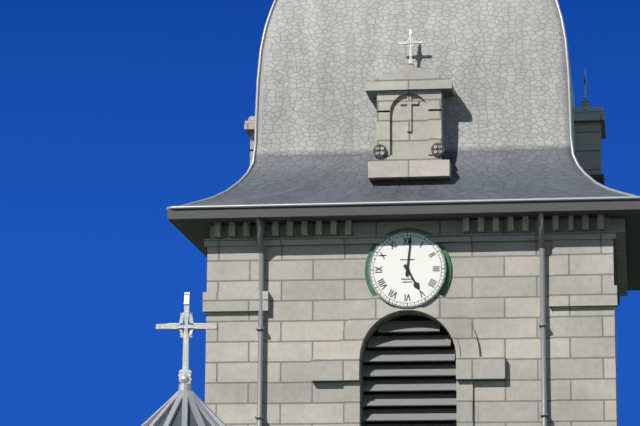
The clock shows 5.01
